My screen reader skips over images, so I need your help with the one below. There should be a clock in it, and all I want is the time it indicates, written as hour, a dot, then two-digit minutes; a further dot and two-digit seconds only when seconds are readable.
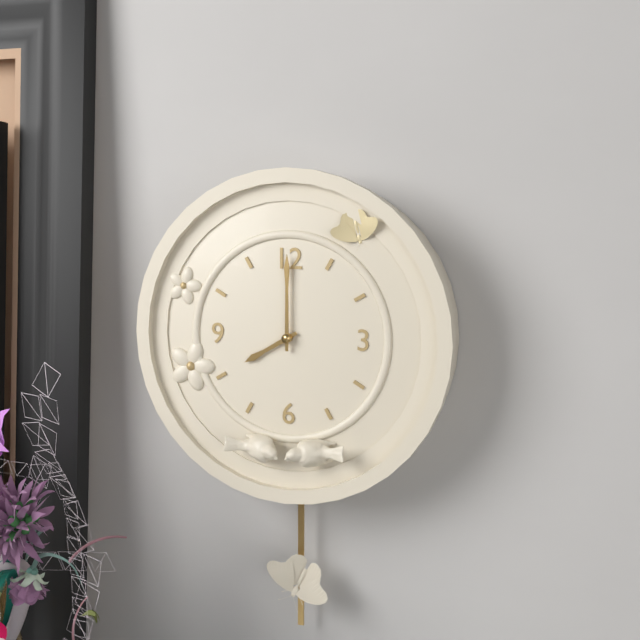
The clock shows 8.00
